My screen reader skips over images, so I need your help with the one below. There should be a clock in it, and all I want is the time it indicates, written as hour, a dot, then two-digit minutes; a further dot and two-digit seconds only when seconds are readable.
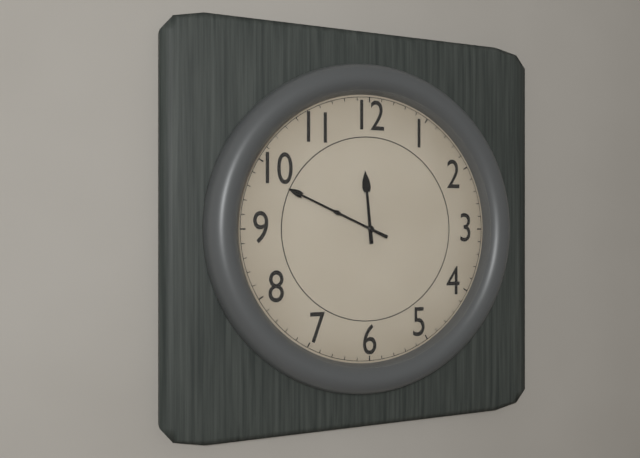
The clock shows 11.49
